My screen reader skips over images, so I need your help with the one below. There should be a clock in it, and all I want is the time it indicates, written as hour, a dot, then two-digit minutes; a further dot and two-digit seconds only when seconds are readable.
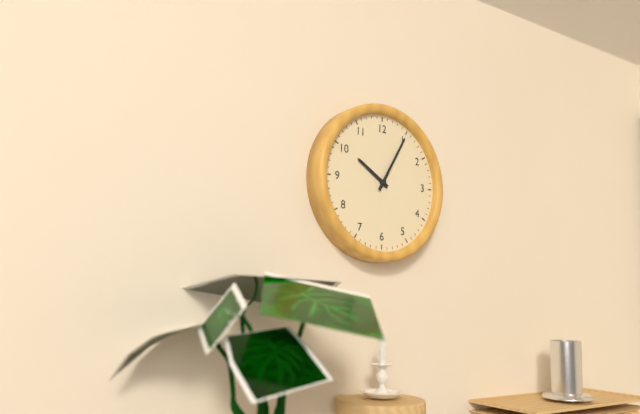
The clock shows 10.05
